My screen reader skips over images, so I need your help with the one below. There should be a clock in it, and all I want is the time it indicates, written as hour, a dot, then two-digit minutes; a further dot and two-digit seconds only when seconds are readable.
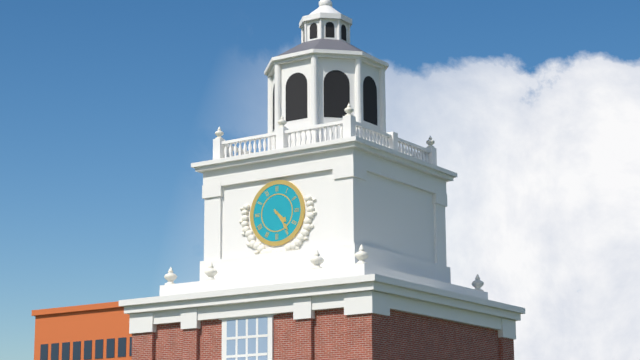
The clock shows 4.24
